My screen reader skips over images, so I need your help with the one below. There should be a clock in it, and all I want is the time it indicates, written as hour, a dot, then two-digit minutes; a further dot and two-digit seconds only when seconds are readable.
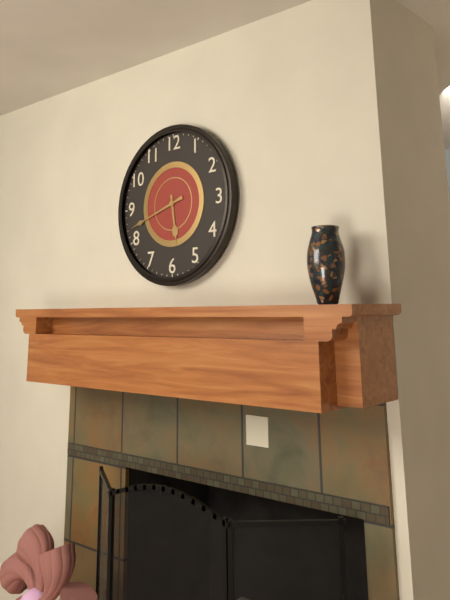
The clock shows 5.42
